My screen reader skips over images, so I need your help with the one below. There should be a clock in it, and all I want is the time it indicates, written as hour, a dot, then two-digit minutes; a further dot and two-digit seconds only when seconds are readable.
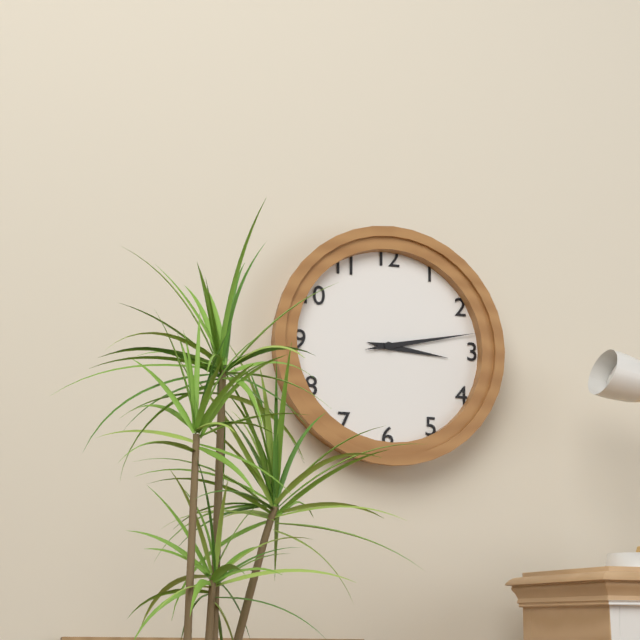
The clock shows 3.13
